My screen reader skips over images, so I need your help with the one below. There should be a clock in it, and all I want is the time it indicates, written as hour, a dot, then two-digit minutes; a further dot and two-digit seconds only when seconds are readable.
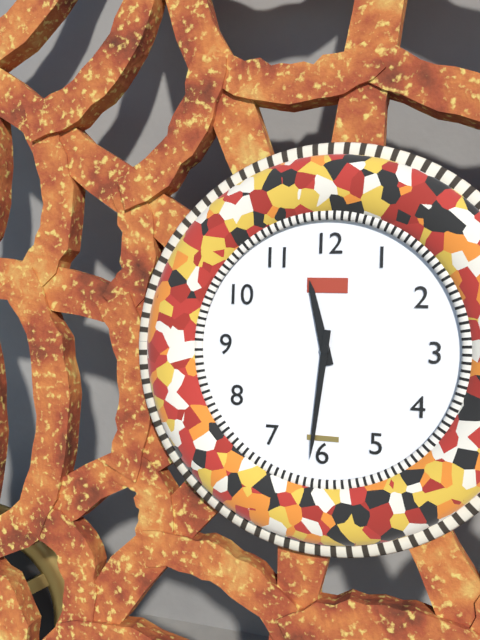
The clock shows 11.31
